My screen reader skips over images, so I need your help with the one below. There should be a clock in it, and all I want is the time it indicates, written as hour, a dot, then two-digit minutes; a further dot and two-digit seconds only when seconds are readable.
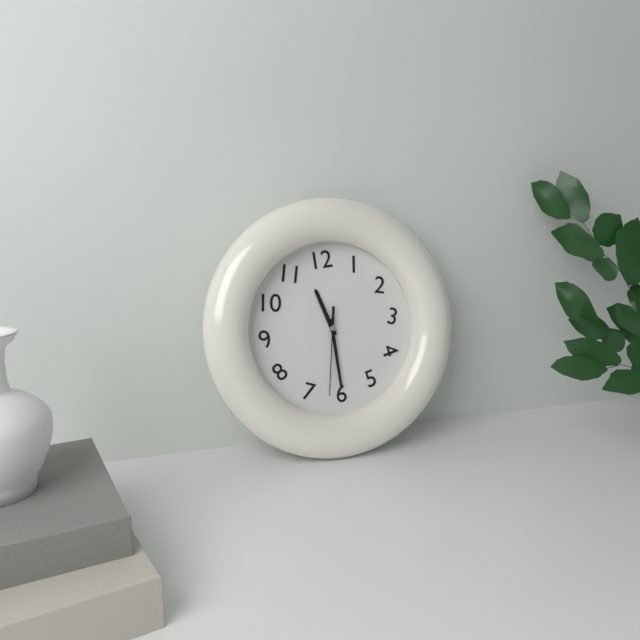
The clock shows 11.30.32
